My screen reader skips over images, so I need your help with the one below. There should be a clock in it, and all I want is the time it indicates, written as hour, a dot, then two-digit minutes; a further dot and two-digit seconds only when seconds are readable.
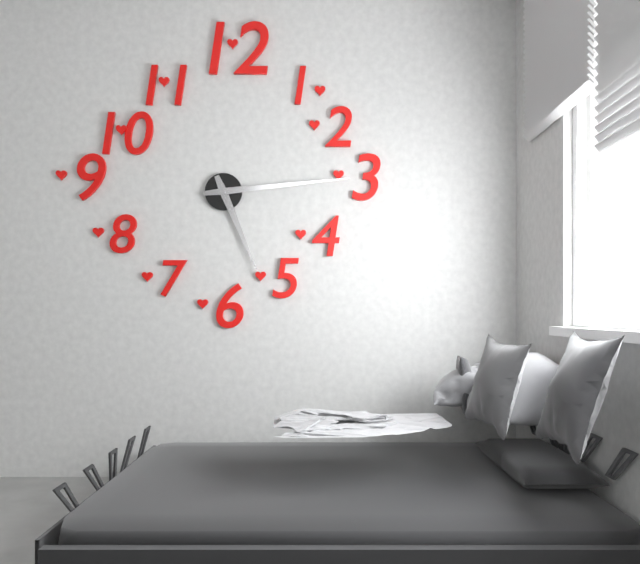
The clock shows 5.14
